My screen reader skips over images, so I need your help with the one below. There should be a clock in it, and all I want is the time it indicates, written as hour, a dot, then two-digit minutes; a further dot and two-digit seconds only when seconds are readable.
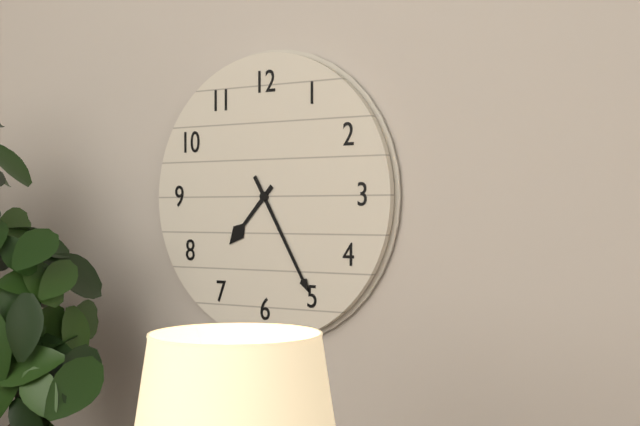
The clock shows 7.25
